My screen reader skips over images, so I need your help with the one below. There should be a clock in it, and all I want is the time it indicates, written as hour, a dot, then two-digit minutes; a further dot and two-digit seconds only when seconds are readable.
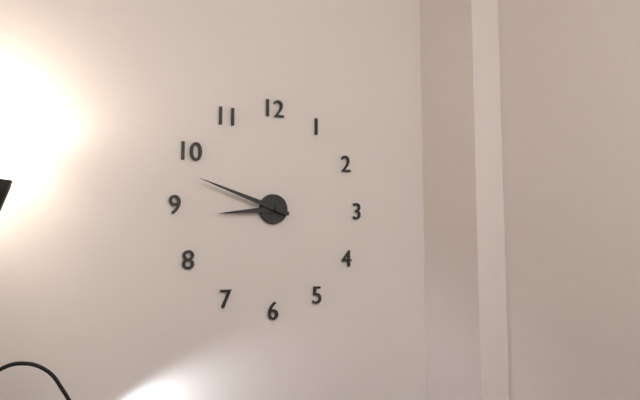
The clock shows 8.48
